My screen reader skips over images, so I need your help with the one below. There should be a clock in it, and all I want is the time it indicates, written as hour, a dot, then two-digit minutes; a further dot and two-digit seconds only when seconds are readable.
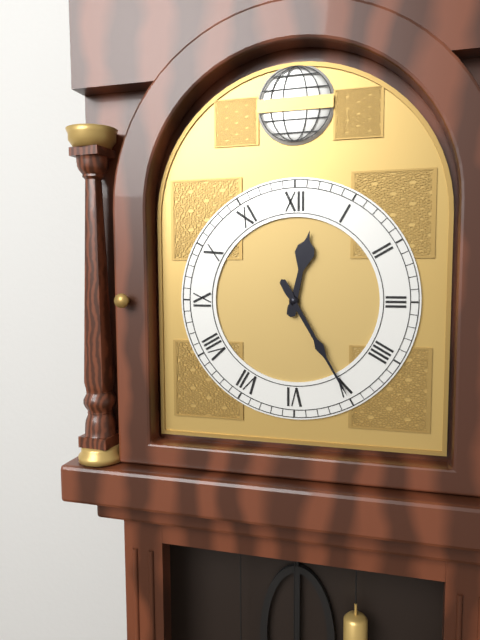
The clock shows 12.25
